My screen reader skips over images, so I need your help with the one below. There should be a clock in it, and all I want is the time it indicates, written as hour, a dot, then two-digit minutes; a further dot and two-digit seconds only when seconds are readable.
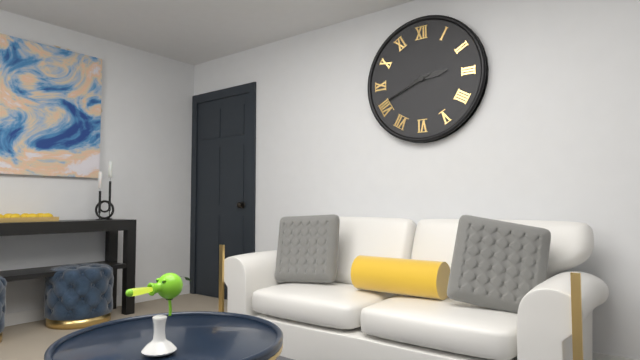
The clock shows 2.41
